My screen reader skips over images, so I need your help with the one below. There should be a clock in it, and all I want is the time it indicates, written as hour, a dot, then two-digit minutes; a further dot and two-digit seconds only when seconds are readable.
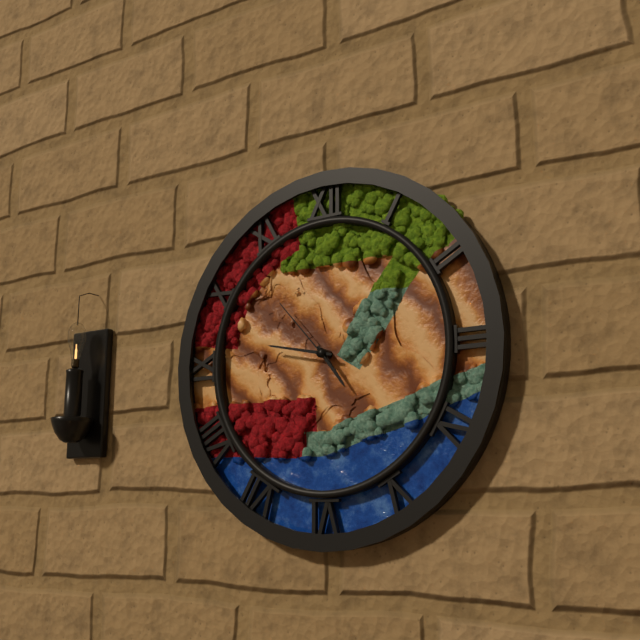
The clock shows 4.47.53
